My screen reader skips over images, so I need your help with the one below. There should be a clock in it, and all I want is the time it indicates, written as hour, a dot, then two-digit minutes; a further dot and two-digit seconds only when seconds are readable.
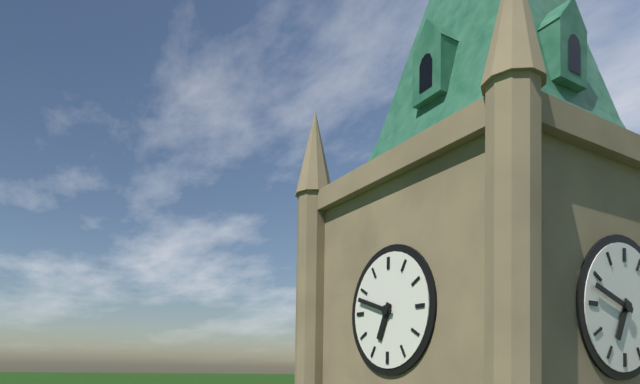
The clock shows 6.48
